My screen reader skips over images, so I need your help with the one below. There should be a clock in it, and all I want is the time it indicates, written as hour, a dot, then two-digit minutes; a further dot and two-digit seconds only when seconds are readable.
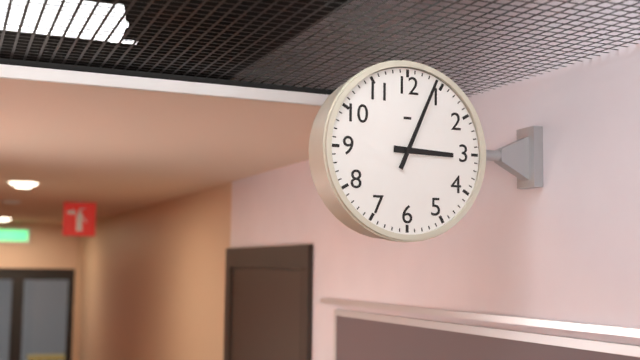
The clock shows 3.04
